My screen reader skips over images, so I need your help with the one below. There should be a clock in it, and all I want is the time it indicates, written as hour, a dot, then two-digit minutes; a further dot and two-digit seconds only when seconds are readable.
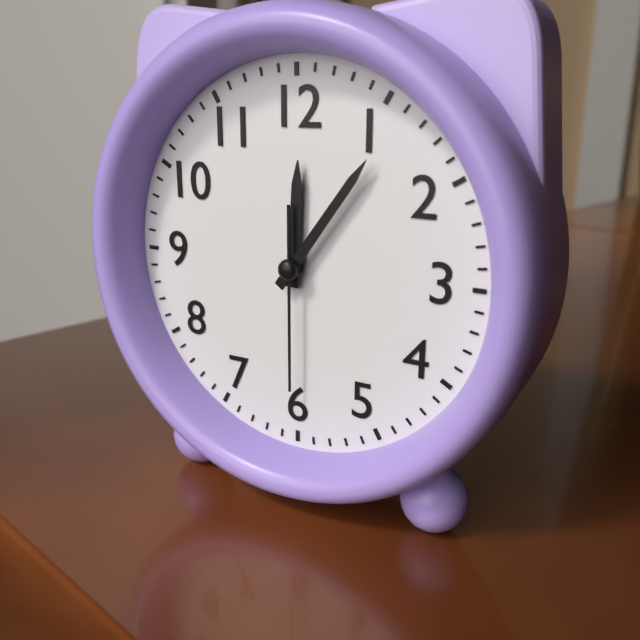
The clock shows 12.06.30
